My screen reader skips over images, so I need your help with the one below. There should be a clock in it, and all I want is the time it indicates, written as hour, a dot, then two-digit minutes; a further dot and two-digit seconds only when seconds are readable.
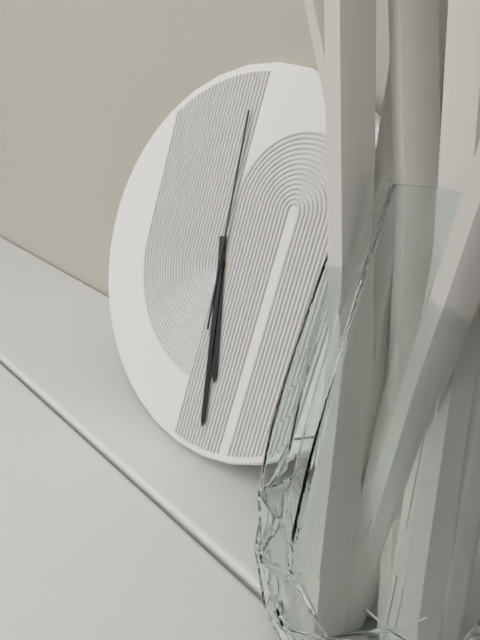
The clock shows 5.28.59
